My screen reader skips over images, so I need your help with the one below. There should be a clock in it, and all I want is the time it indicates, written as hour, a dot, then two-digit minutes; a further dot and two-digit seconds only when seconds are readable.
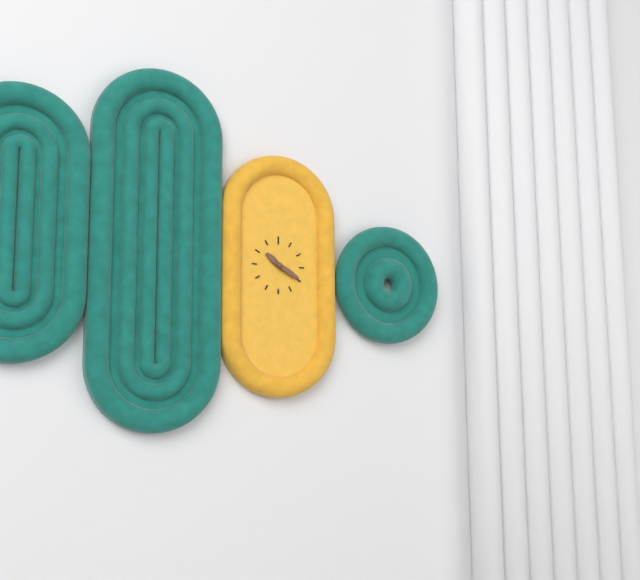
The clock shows 10.20
